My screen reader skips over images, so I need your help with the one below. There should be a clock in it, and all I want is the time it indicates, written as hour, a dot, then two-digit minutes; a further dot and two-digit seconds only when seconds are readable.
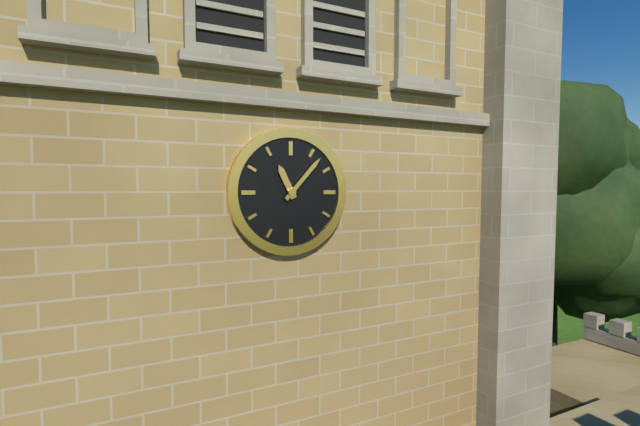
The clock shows 11.07
